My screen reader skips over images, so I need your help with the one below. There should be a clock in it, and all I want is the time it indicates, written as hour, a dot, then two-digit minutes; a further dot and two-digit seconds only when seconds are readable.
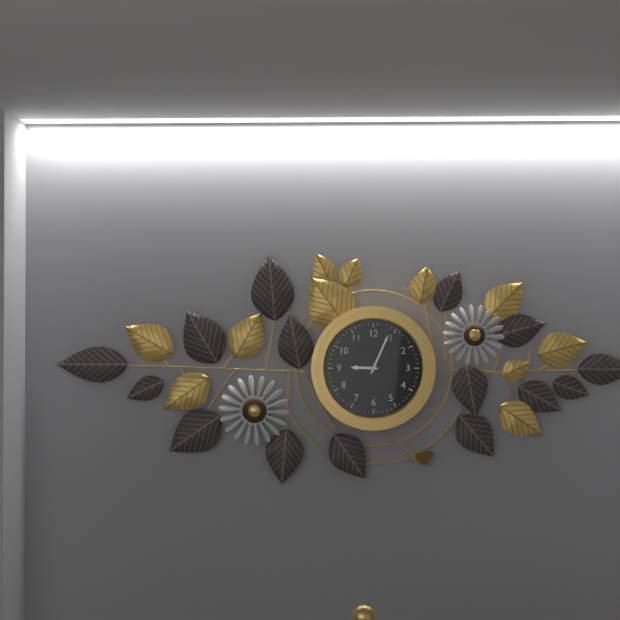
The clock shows 9.04
